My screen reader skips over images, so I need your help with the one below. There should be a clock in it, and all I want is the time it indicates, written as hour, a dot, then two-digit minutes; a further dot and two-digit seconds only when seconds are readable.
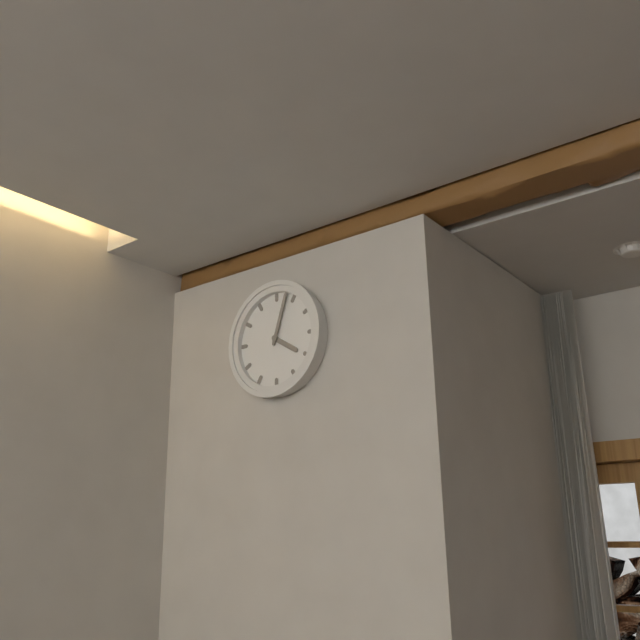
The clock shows 4.03
